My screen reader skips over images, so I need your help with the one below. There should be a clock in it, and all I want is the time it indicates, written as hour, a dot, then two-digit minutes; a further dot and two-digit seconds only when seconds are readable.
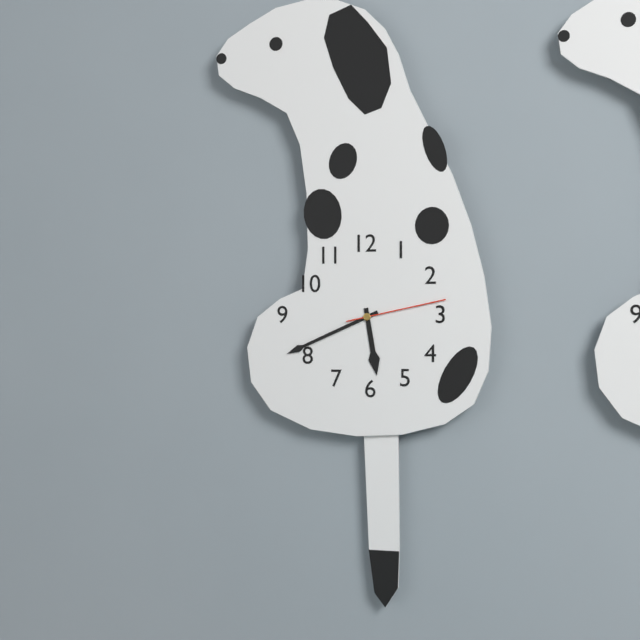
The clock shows 5.41.13
